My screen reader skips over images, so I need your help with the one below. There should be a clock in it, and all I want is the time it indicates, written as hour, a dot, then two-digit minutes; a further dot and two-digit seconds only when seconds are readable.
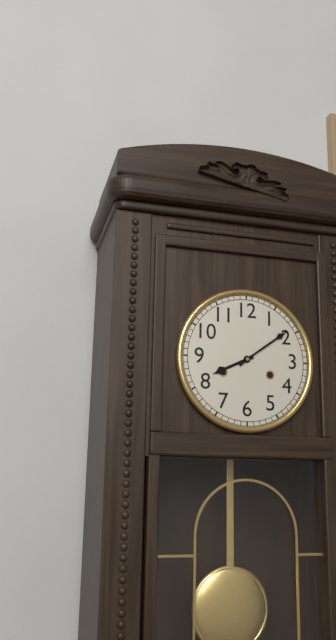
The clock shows 8.09
